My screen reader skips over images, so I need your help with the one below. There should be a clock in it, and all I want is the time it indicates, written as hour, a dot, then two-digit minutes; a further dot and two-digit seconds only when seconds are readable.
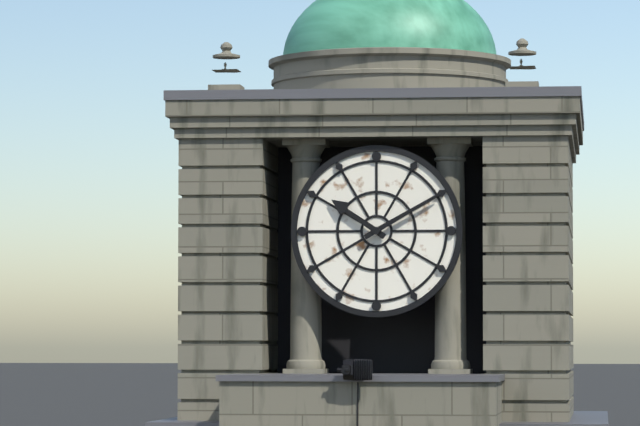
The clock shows 10.10
